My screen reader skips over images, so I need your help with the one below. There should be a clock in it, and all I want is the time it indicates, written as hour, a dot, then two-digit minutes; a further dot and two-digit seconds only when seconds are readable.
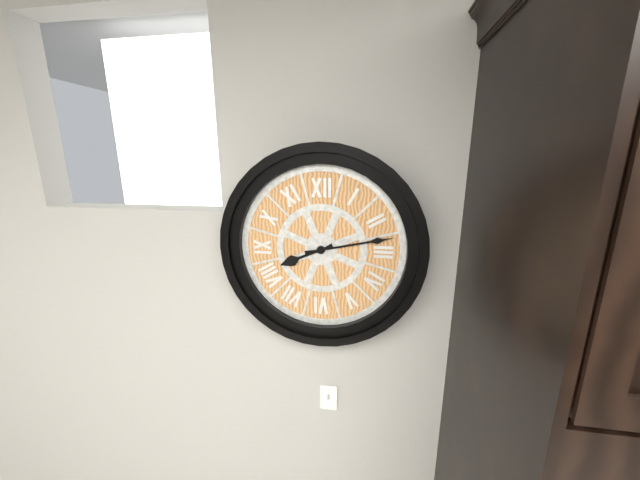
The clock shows 8.13
